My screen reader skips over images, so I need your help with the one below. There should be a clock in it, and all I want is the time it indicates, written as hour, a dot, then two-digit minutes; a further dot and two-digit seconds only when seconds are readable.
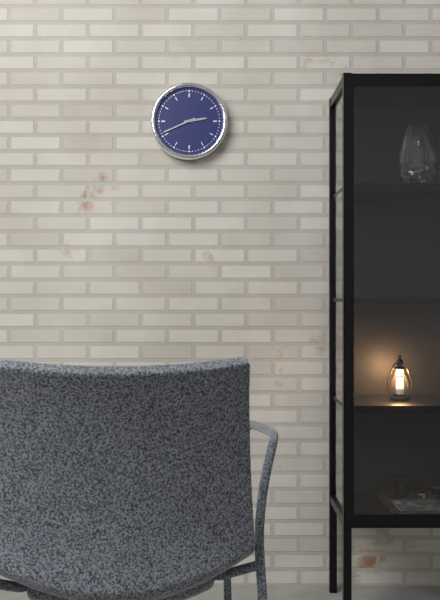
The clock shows 2.41
